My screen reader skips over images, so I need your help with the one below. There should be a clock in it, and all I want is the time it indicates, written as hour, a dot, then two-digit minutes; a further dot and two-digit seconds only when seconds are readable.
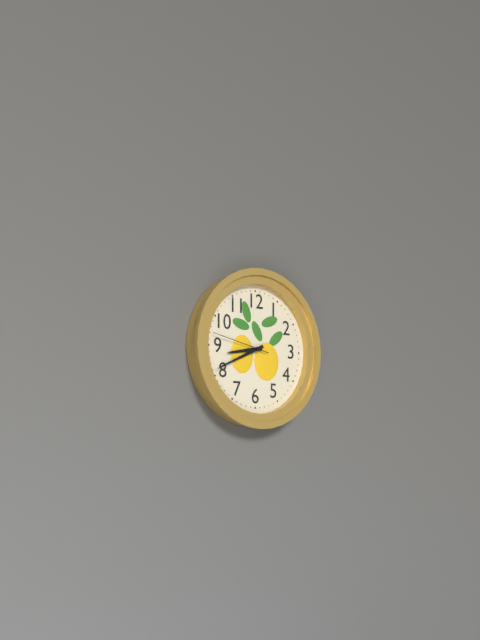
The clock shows 8.41.47
